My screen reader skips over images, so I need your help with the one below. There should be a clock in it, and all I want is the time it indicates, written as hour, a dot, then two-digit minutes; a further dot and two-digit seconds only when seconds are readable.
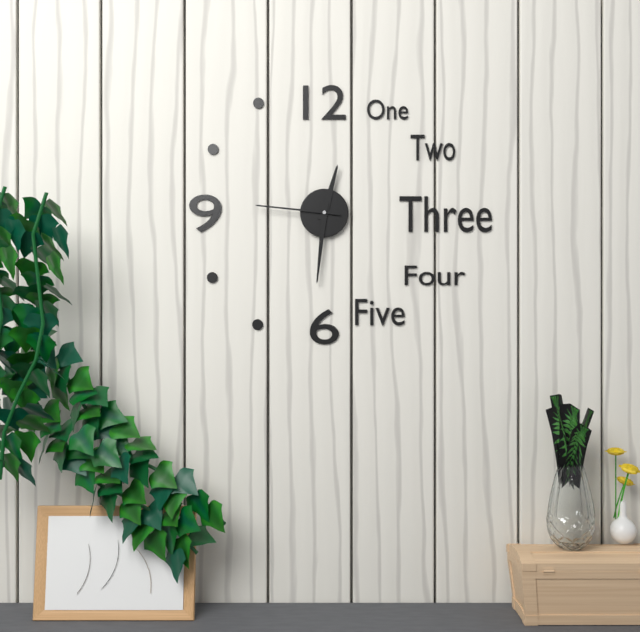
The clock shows 12.31.46
